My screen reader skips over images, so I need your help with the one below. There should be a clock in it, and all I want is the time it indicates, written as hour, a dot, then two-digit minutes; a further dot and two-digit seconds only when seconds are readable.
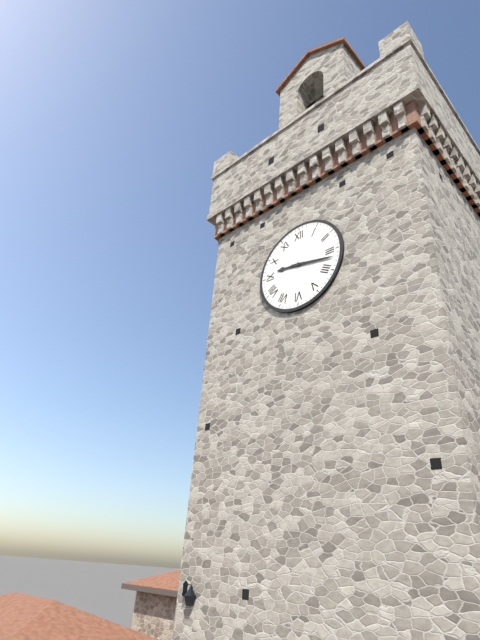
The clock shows 9.17
